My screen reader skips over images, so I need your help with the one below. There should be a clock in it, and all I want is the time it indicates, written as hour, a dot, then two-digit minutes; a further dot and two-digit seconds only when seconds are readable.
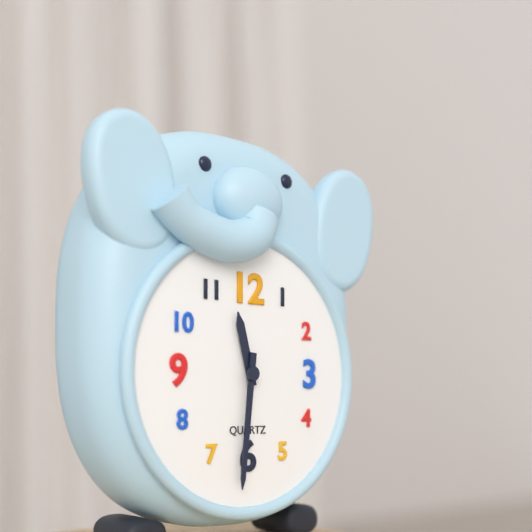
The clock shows 11.31
